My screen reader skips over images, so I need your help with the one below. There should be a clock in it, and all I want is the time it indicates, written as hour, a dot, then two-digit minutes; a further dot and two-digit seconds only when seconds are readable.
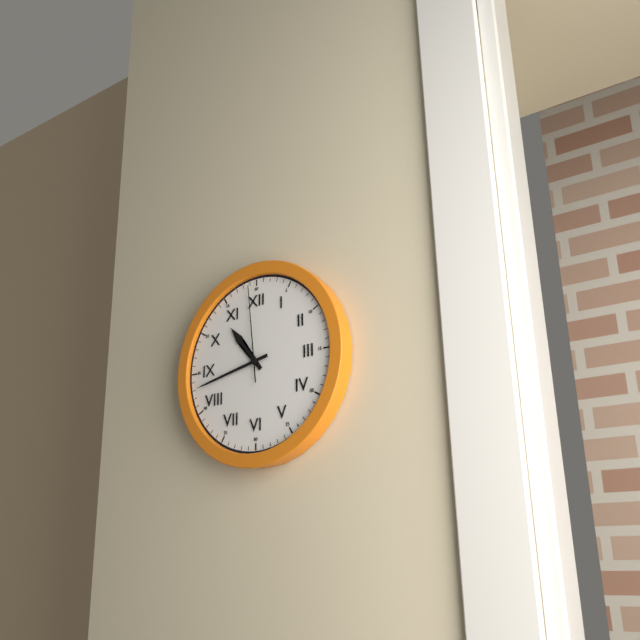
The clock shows 10.43.59
